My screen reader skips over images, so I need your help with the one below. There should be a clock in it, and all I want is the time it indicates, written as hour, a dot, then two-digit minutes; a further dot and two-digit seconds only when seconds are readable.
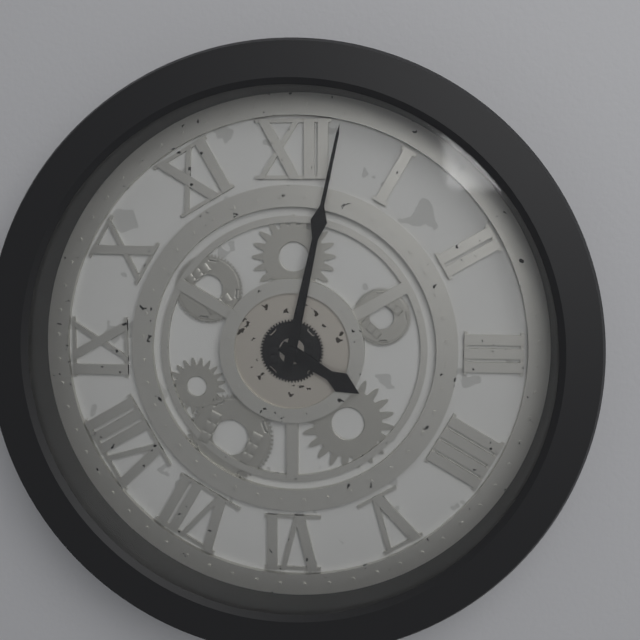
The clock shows 4.02
